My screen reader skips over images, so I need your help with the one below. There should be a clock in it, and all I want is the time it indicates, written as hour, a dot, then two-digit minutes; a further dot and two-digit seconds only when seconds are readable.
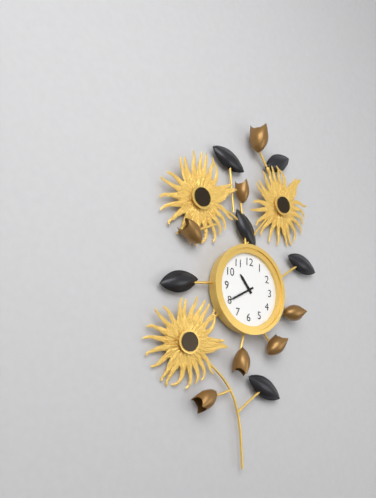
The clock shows 10.40
